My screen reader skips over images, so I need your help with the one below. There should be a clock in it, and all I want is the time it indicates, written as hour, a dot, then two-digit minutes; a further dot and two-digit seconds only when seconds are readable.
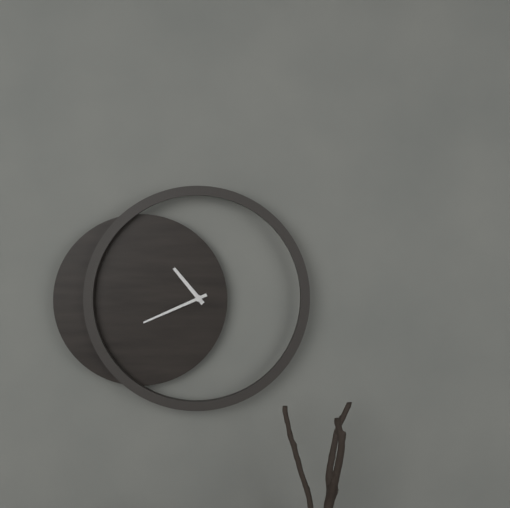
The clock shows 10.41
